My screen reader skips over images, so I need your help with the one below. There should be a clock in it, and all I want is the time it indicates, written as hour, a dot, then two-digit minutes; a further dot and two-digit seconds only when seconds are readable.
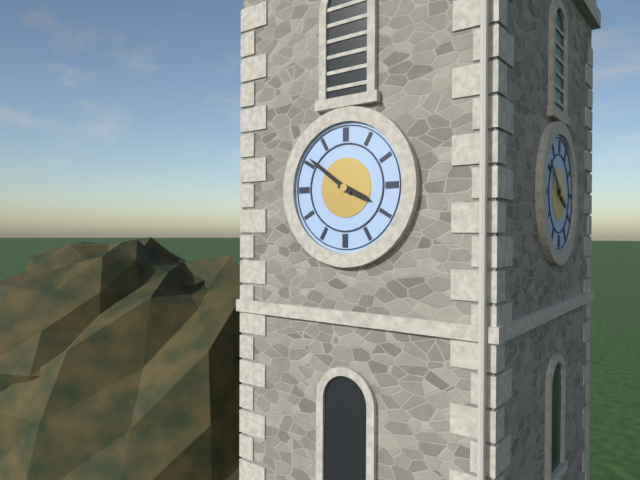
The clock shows 3.51
